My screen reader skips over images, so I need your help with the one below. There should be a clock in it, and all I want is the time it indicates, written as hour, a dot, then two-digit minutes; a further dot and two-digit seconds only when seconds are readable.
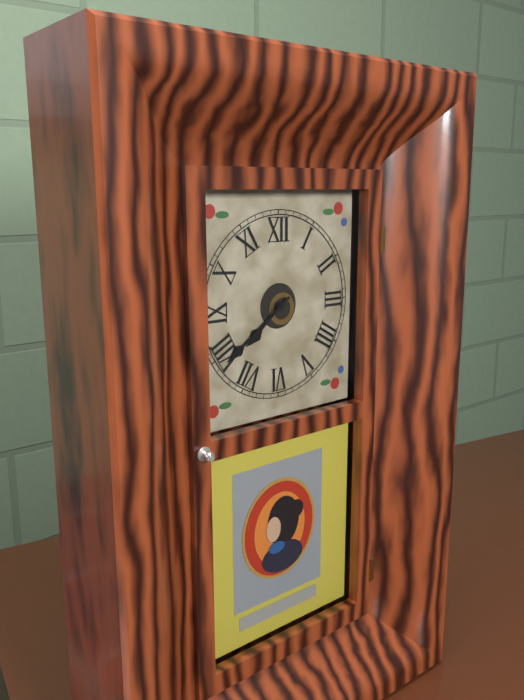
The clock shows 7.39
